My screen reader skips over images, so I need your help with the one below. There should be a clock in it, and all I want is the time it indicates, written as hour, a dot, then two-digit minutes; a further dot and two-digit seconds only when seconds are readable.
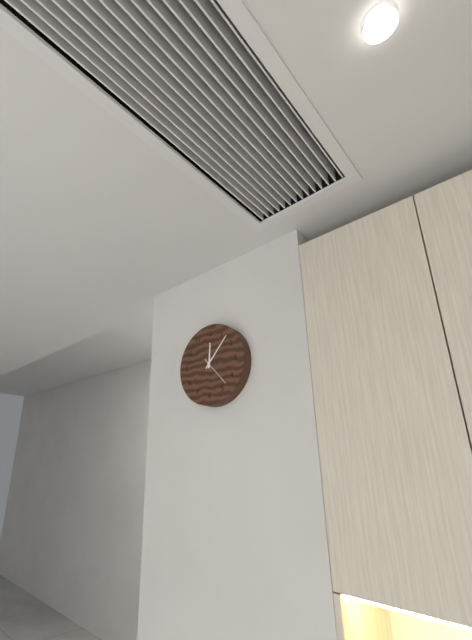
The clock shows 12.07
